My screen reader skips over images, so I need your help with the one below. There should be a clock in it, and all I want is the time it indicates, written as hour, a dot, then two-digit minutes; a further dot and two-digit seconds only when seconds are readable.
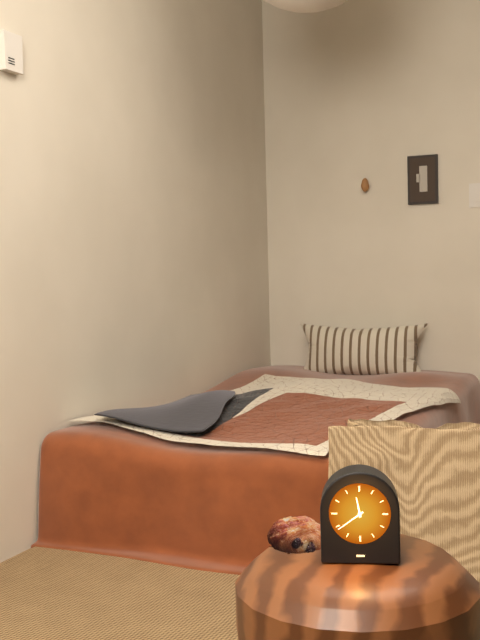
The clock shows 11.39
